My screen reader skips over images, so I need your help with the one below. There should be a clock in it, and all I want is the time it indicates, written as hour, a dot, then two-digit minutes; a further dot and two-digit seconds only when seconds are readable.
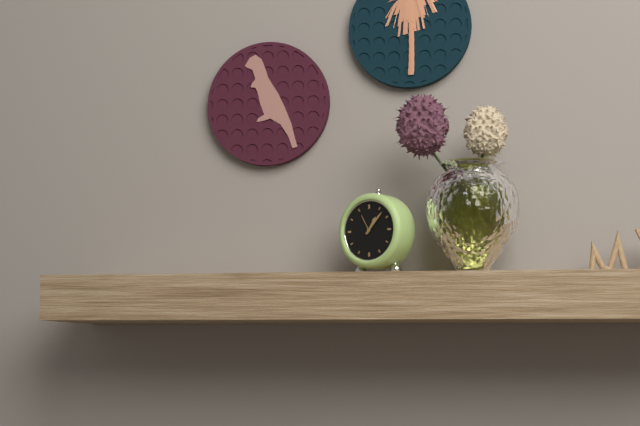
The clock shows 1.07
